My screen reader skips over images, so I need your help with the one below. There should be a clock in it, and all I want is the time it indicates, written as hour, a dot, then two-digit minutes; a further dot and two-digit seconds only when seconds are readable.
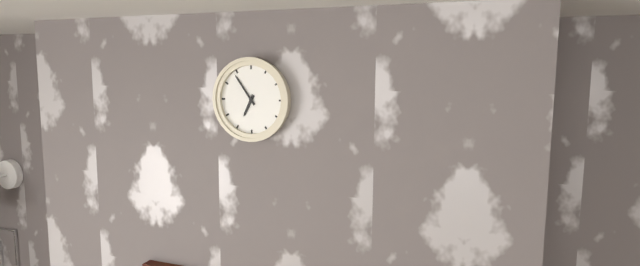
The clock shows 6.54
